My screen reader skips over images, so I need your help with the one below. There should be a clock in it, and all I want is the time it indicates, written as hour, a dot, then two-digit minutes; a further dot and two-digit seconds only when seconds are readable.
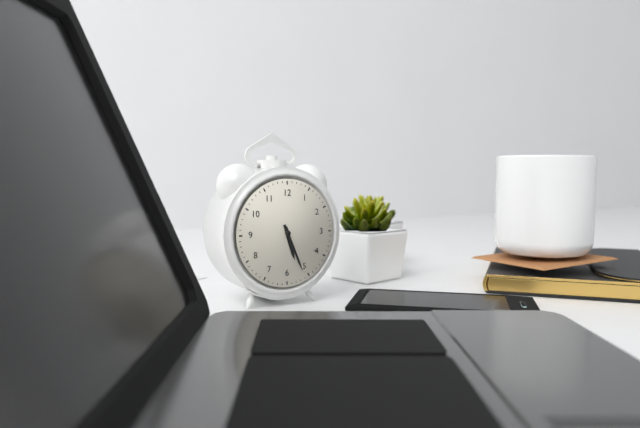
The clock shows 5.26
